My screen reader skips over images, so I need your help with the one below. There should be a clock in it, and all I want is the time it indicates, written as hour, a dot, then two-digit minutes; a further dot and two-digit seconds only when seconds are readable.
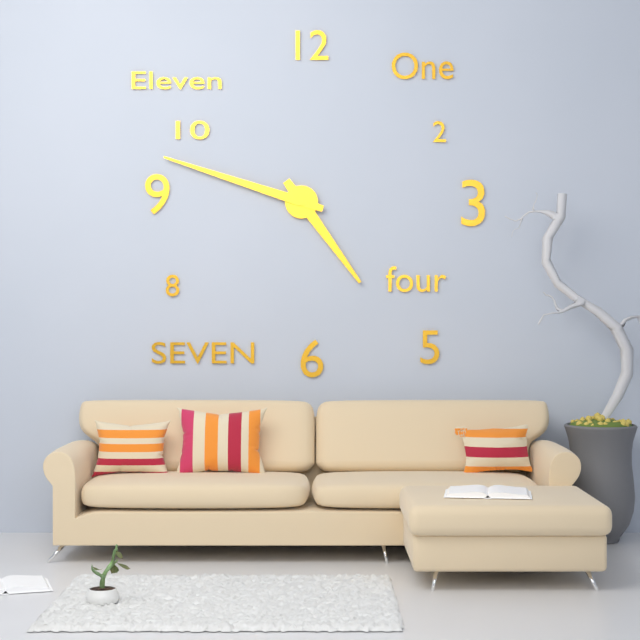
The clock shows 4.48
